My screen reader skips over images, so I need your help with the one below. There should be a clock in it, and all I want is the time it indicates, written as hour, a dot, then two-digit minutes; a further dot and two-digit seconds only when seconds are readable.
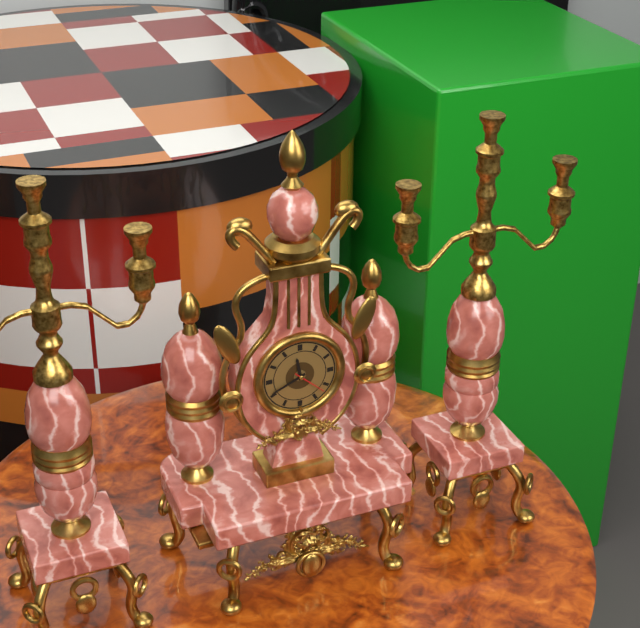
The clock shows 11.41
